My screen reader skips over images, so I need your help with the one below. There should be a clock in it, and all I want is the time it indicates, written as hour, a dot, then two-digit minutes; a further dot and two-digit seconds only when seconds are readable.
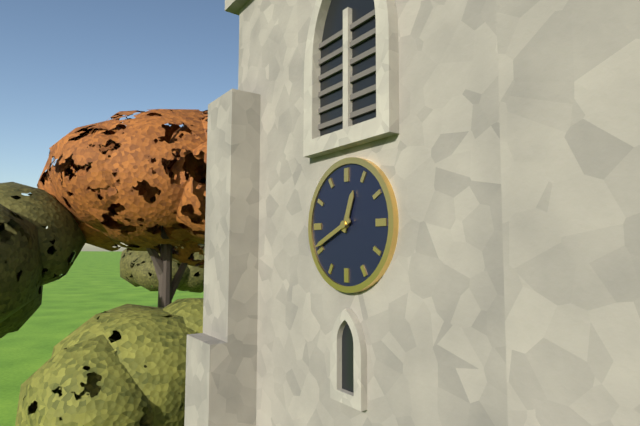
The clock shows 12.41
